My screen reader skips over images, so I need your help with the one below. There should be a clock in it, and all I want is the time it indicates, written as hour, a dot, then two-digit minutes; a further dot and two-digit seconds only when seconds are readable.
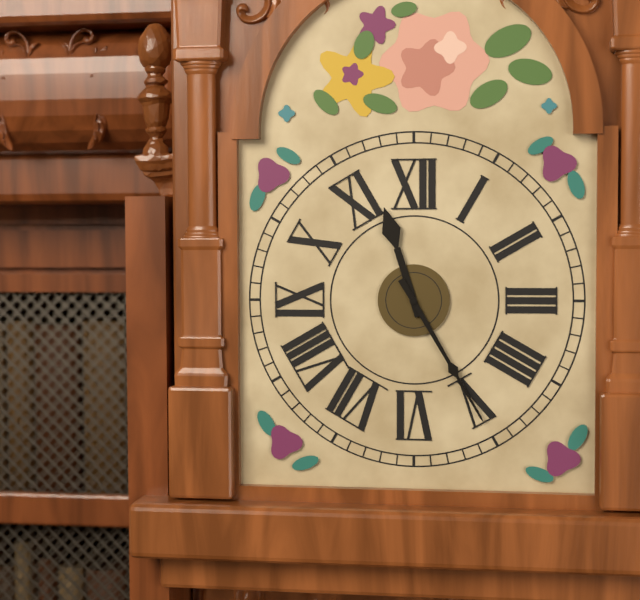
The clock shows 11.25
